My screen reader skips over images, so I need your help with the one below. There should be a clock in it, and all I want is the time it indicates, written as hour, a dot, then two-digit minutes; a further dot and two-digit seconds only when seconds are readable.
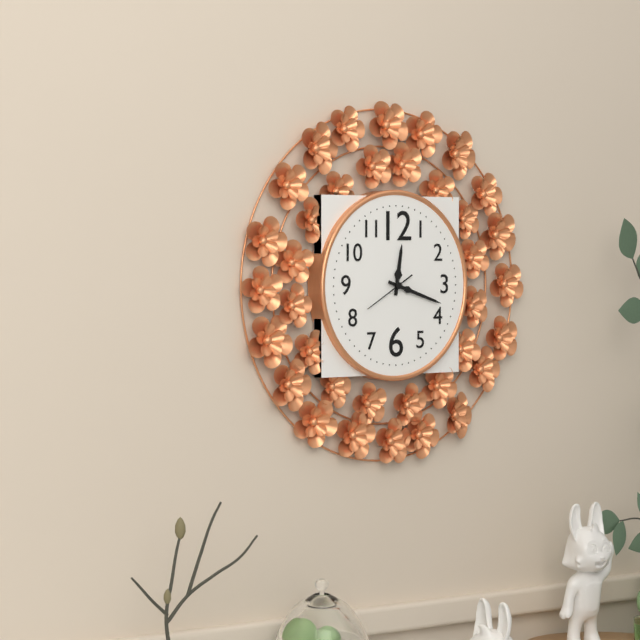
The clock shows 12.18
